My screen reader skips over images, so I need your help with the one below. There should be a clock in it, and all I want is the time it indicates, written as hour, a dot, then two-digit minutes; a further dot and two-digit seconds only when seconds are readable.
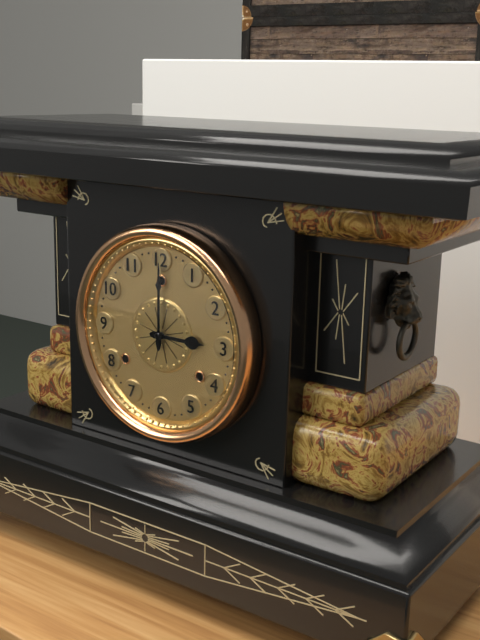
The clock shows 3.00
